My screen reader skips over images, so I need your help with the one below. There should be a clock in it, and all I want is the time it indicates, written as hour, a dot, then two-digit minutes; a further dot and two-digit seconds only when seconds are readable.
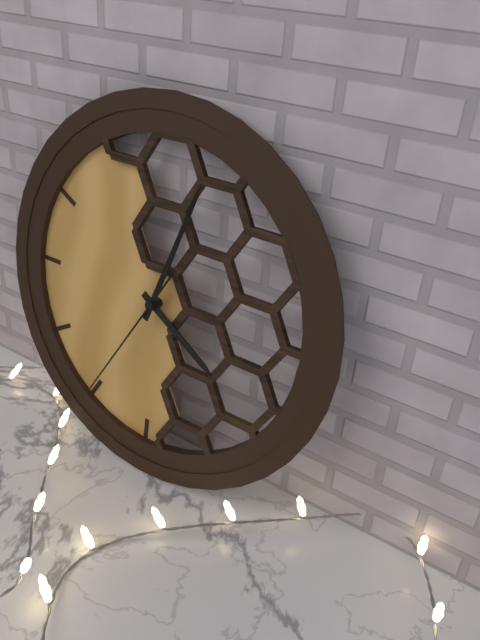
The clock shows 4.03.35
